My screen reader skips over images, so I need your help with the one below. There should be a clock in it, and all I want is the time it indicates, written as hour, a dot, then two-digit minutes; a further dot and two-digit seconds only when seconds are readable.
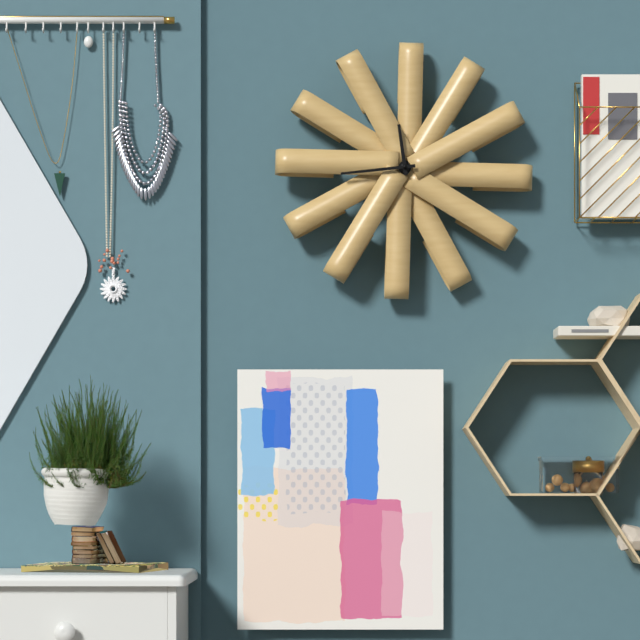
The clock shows 11.44
